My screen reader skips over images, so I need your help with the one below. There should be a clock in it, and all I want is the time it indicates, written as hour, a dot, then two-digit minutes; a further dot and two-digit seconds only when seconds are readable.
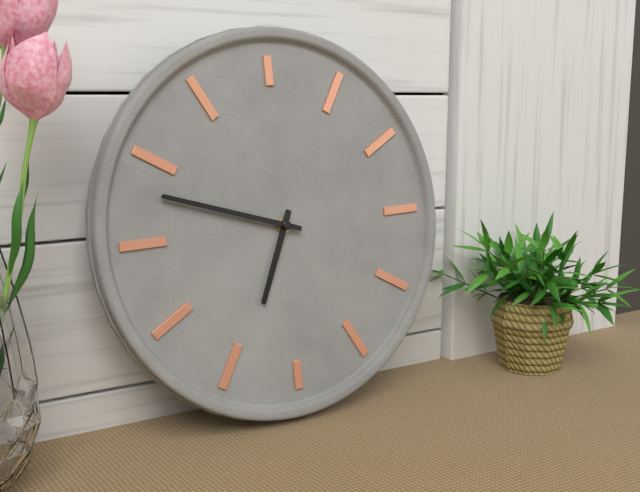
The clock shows 6.48
